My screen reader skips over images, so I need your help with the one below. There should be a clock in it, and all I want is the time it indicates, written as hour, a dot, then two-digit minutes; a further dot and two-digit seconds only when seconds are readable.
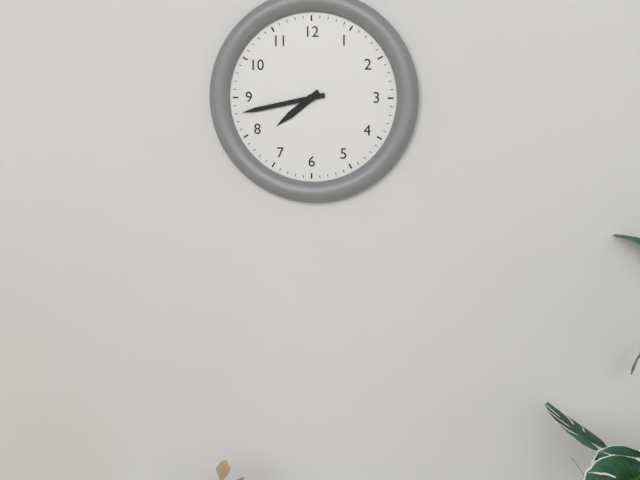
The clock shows 7.43
